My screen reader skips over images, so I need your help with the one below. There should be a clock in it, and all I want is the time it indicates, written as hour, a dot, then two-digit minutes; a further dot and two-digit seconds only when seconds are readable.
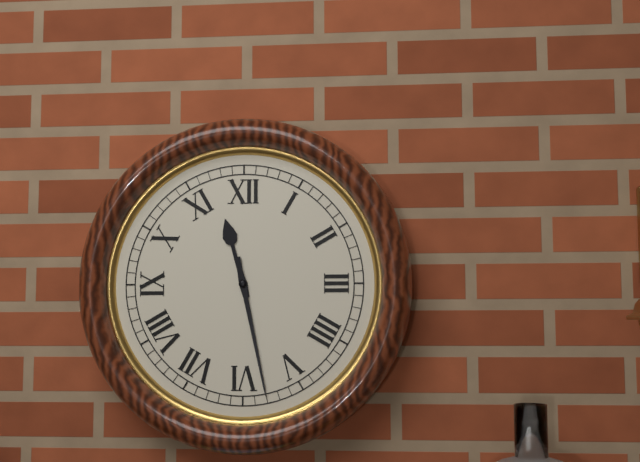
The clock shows 11.28
